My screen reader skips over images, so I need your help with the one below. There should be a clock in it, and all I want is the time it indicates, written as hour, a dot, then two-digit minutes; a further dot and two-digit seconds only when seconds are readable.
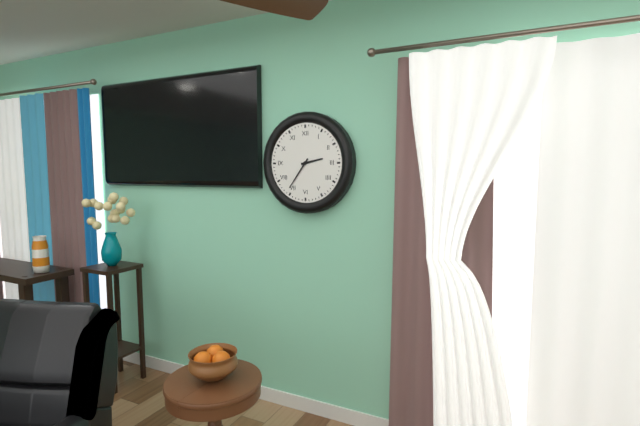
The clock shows 2.36
